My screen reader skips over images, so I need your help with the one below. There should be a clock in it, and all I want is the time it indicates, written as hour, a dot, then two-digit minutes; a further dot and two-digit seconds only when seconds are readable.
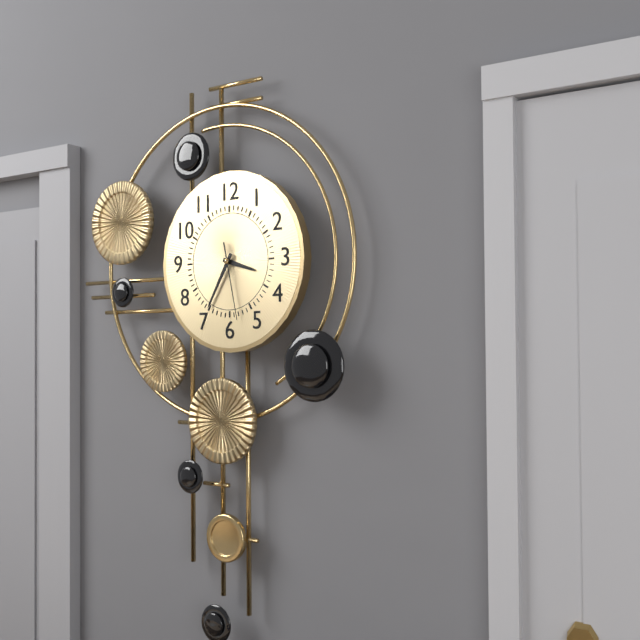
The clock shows 3.35.28
